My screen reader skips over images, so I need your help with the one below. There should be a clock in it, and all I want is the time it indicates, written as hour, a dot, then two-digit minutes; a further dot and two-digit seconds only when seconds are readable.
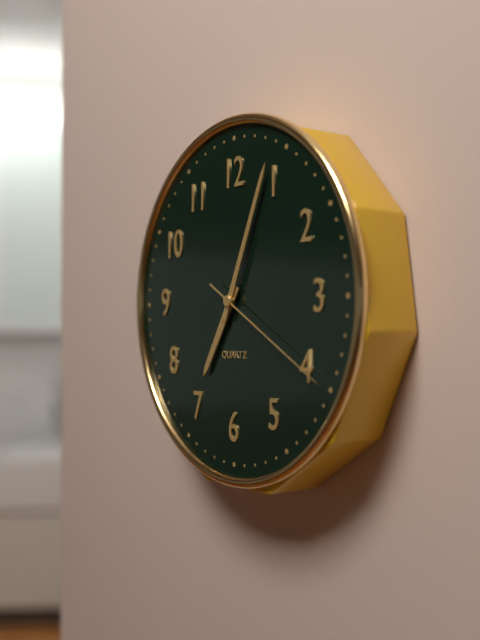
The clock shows 7.04.20
